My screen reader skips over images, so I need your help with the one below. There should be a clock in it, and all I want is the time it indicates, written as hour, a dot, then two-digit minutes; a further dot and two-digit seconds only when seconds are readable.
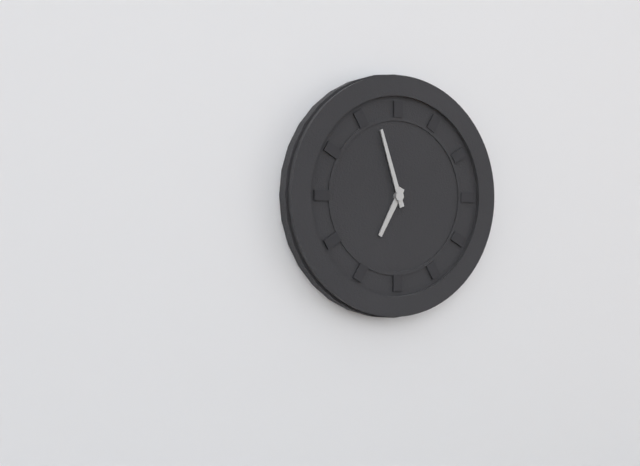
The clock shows 6.57
